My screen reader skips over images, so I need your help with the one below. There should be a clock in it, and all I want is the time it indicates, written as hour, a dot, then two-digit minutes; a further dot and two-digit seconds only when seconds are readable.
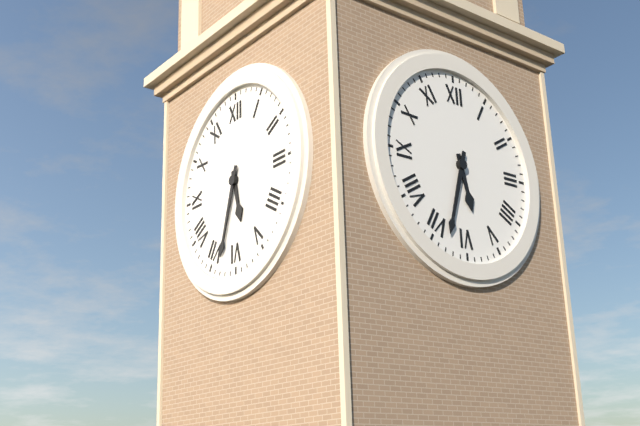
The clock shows 5.33
